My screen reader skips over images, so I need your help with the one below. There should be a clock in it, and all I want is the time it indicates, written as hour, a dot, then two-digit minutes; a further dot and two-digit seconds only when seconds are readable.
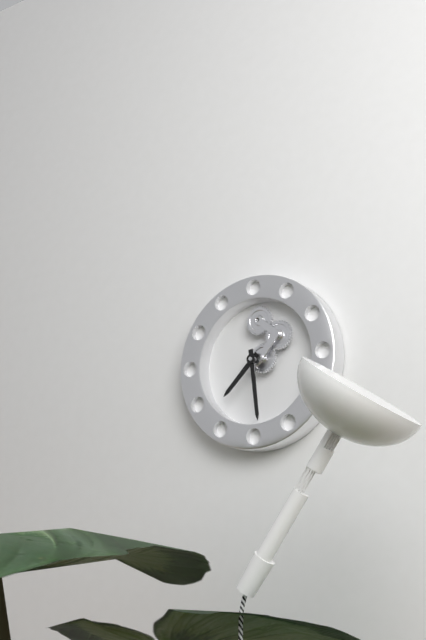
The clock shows 7.29
